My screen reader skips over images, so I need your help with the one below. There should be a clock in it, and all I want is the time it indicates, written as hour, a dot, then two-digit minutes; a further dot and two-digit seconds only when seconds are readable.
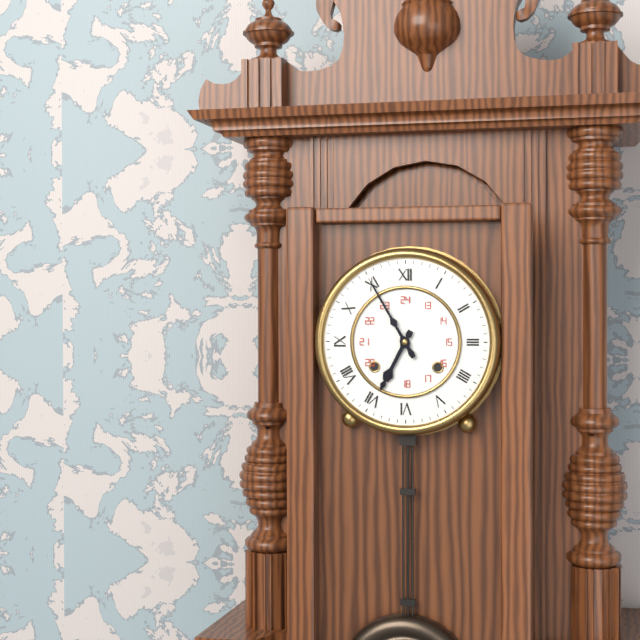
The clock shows 6.55
